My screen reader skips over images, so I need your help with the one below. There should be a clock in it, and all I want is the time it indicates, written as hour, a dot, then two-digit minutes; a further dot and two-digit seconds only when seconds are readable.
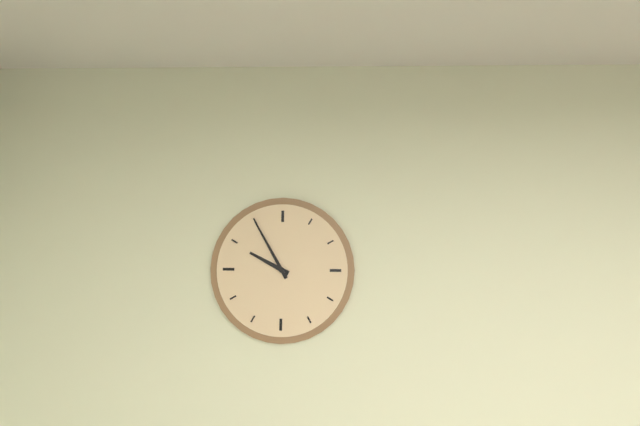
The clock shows 9.55
